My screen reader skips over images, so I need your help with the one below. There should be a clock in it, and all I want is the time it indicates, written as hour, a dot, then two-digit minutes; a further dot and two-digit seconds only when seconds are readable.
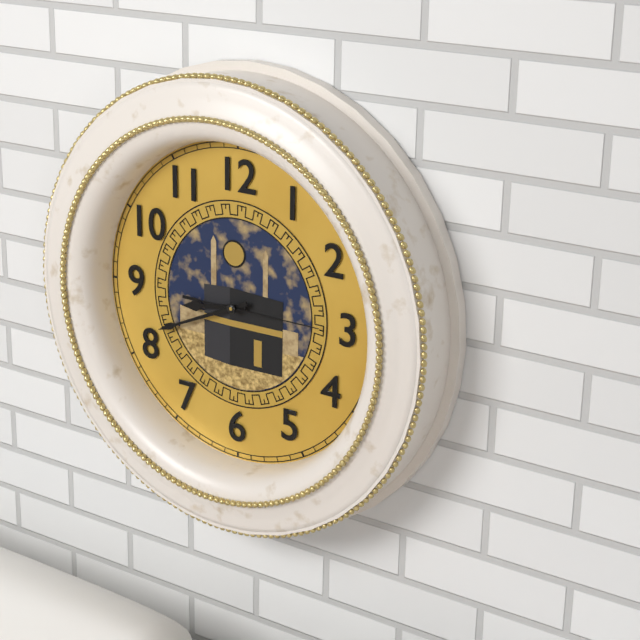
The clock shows 8.41.15
